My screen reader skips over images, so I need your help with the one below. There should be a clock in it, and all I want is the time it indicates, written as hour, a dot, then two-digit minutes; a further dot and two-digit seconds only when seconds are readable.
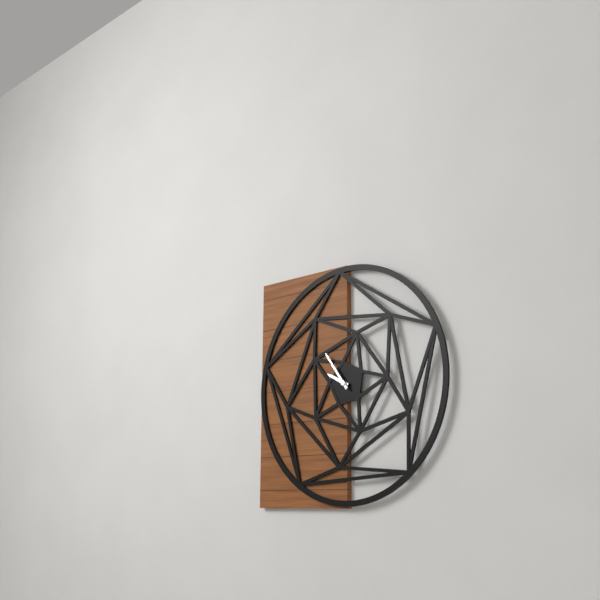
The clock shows 9.54
